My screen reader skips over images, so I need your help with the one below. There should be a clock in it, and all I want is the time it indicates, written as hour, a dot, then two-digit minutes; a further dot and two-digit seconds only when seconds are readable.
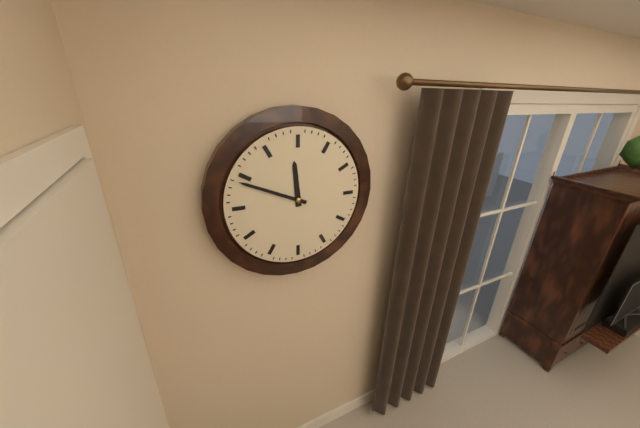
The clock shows 11.49
